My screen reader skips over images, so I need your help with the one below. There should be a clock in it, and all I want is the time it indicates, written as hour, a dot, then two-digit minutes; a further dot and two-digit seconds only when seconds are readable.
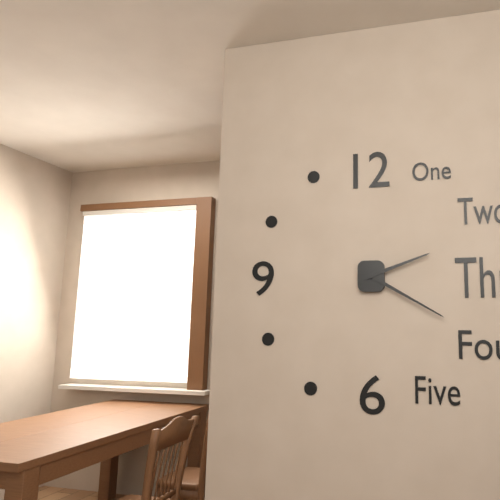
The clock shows 2.20
